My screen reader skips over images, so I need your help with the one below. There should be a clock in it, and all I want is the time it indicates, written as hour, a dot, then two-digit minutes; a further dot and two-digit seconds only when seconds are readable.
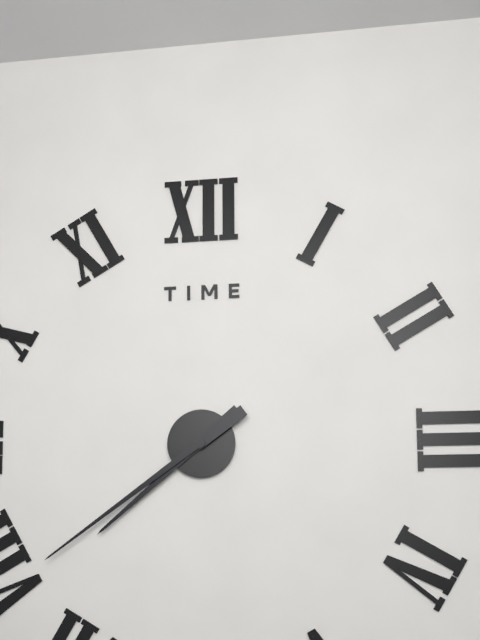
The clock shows 7.39
